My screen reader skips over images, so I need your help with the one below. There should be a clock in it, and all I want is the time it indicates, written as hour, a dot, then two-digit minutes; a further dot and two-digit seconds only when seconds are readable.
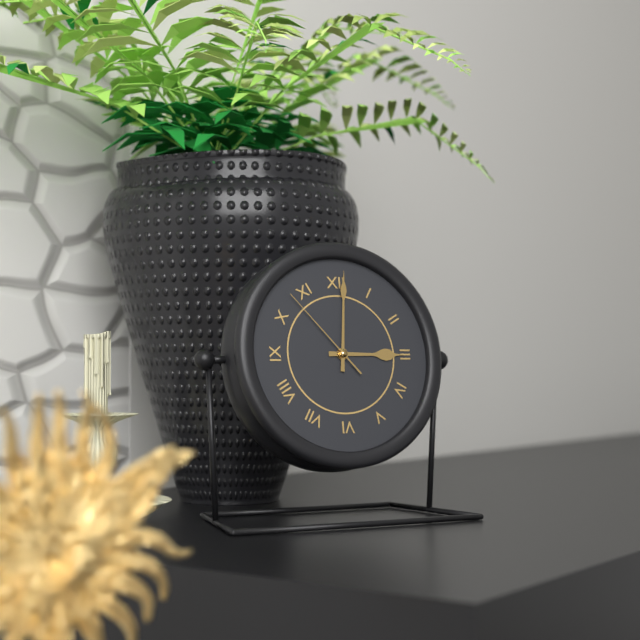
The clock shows 3.01.53
